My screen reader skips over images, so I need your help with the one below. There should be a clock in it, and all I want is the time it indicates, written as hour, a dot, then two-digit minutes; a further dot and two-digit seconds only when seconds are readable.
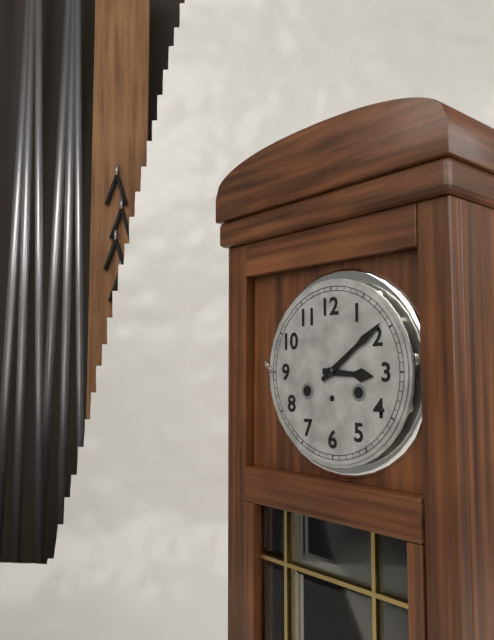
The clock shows 3.09
